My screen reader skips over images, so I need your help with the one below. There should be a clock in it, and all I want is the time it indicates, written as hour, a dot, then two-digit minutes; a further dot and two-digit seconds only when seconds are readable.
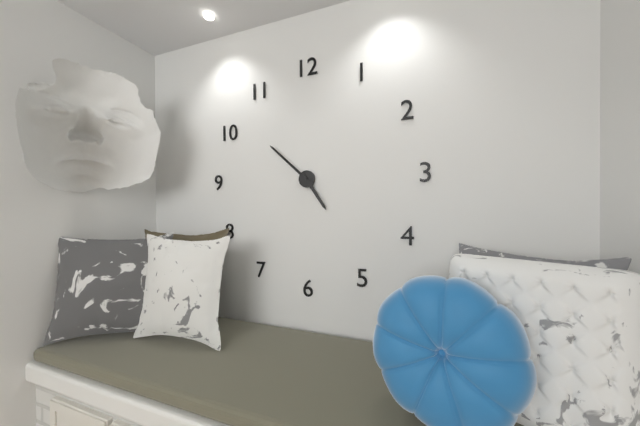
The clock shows 4.52
